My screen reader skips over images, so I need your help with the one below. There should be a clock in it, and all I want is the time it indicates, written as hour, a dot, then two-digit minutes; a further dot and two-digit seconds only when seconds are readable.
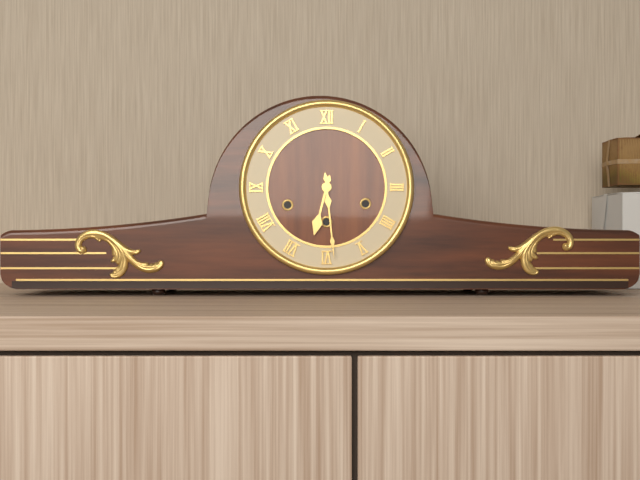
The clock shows 6.29
